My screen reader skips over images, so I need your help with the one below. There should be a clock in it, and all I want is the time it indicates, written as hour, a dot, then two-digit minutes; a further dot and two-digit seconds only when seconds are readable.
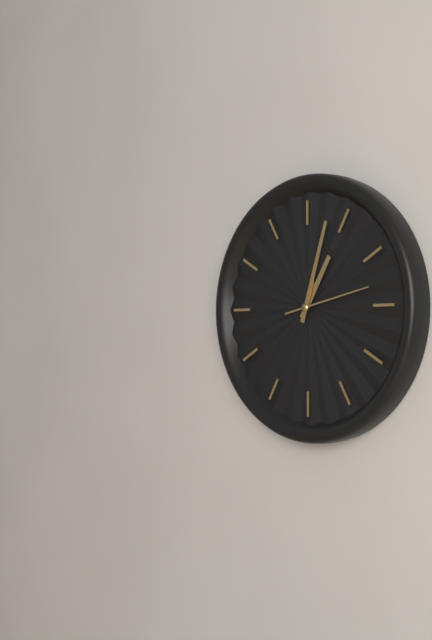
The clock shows 1.03.13
